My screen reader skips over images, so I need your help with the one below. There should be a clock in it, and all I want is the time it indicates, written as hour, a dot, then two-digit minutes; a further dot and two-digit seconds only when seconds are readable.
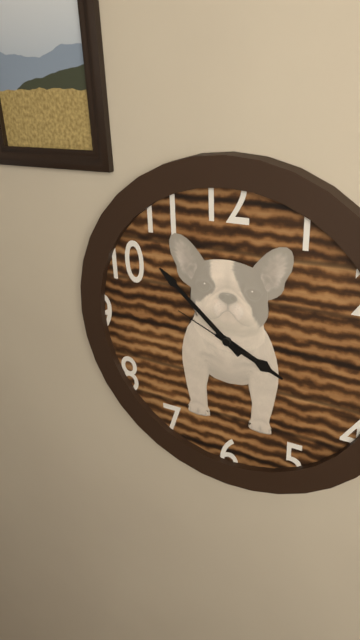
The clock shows 3.52.49
